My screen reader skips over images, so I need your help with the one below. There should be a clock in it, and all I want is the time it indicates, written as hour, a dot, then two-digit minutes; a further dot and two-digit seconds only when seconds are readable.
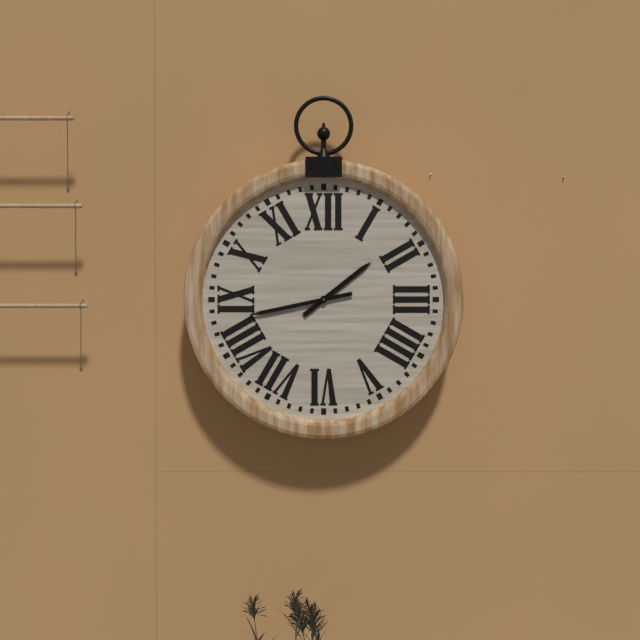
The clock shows 1.43
